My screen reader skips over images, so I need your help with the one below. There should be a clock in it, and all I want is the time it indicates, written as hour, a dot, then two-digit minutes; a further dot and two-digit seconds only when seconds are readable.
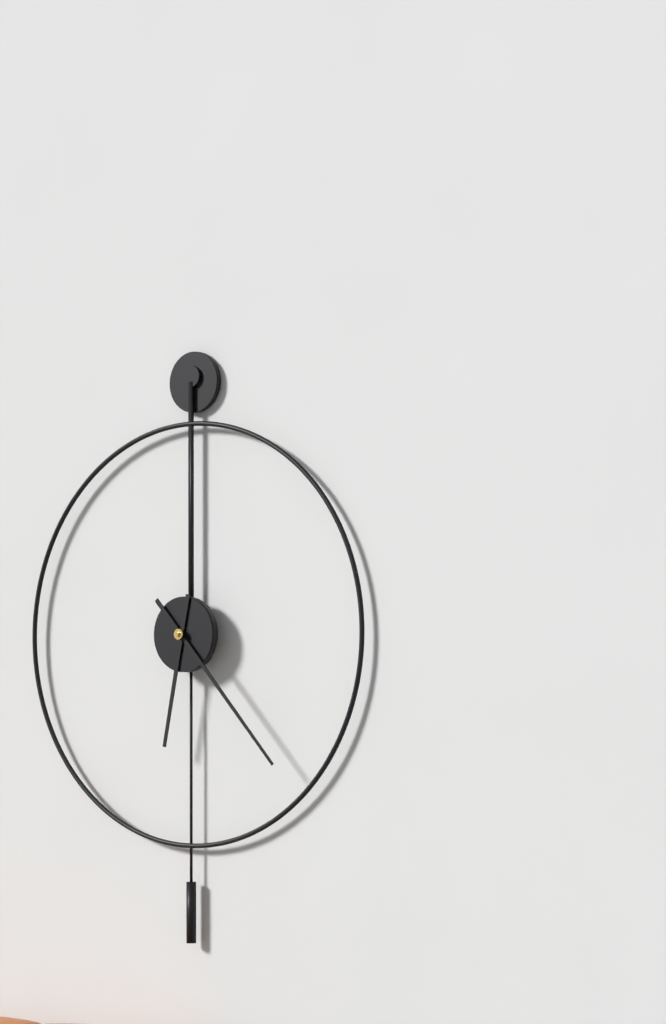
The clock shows 6.23
